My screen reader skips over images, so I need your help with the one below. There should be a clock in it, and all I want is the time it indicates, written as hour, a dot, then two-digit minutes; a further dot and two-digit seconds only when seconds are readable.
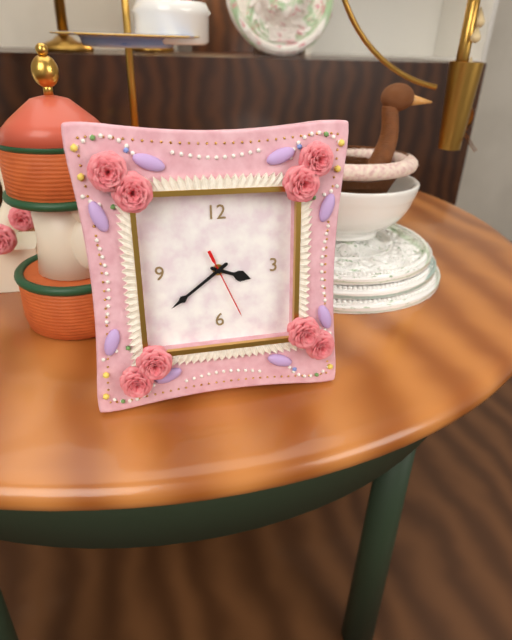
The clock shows 3.39.26
